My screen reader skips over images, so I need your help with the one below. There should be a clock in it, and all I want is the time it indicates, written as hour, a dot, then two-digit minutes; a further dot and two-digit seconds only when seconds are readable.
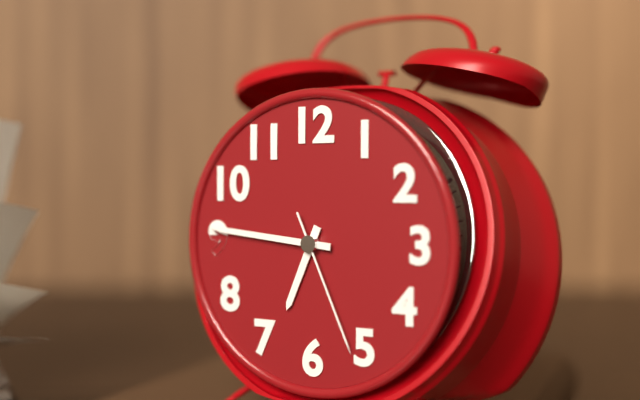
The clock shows 6.46.26
